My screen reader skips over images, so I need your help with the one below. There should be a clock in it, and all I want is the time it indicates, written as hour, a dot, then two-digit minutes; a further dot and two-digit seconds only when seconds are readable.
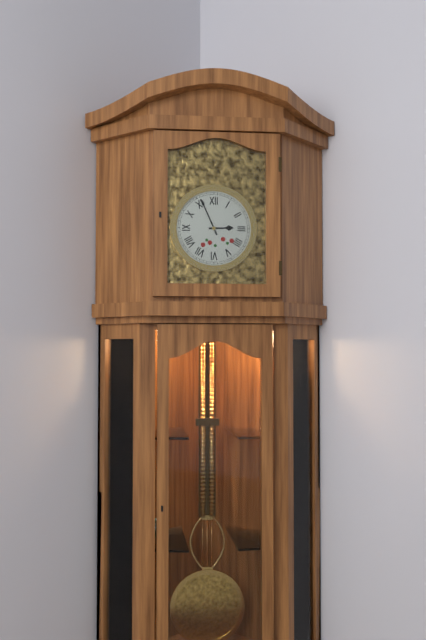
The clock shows 2.56
